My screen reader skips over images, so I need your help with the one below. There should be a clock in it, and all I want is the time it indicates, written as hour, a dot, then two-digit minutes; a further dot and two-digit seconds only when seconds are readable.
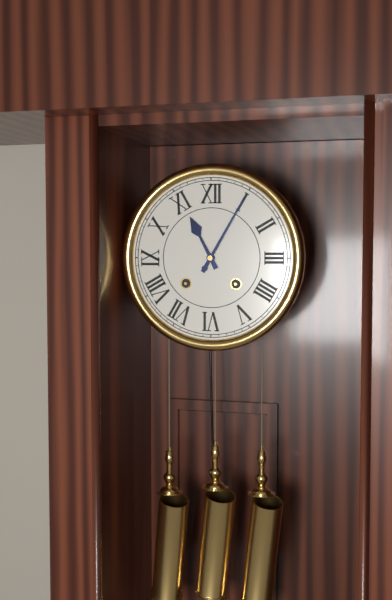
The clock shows 11.05
